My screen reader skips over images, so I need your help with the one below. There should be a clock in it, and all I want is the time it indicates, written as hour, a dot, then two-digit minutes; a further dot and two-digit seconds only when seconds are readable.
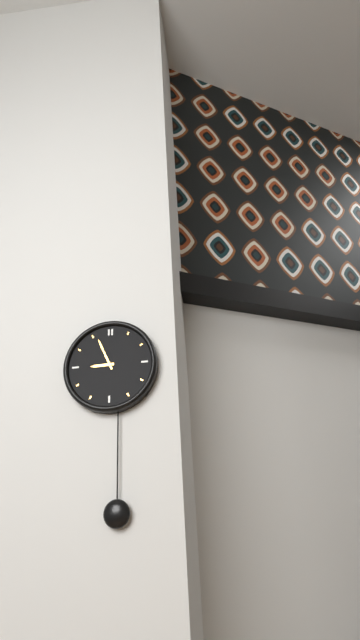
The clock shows 8.56
